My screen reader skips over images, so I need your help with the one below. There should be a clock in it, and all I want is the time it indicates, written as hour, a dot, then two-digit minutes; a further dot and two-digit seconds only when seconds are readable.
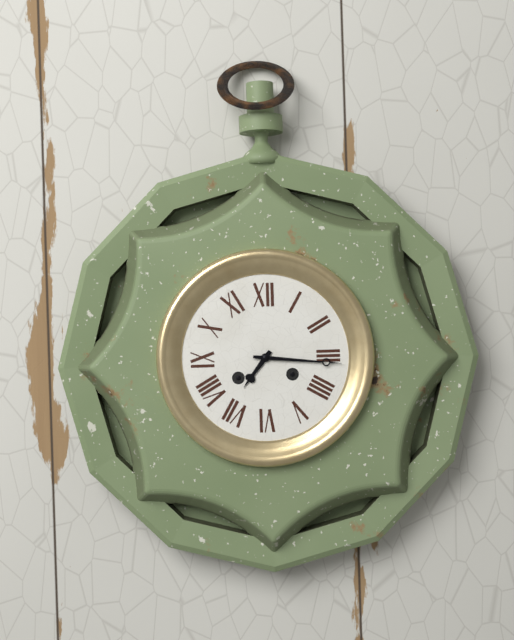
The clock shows 7.16
